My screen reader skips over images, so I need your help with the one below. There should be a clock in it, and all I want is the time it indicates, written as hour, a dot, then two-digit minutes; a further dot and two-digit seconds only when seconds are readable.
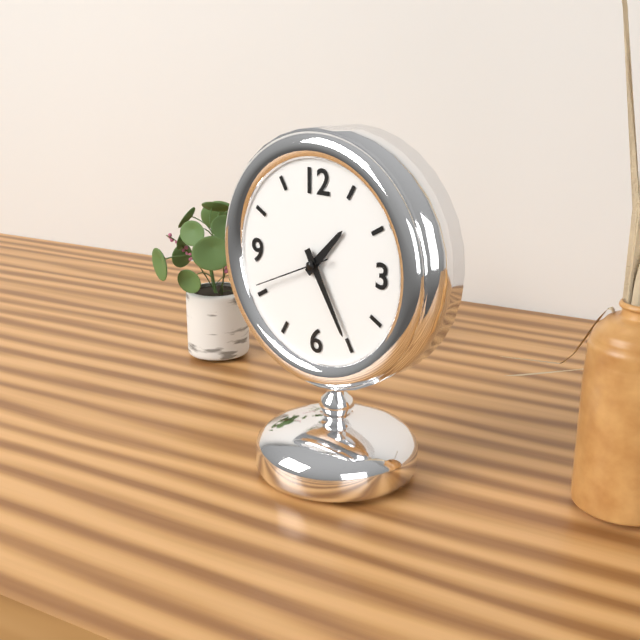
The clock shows 1.25.41
